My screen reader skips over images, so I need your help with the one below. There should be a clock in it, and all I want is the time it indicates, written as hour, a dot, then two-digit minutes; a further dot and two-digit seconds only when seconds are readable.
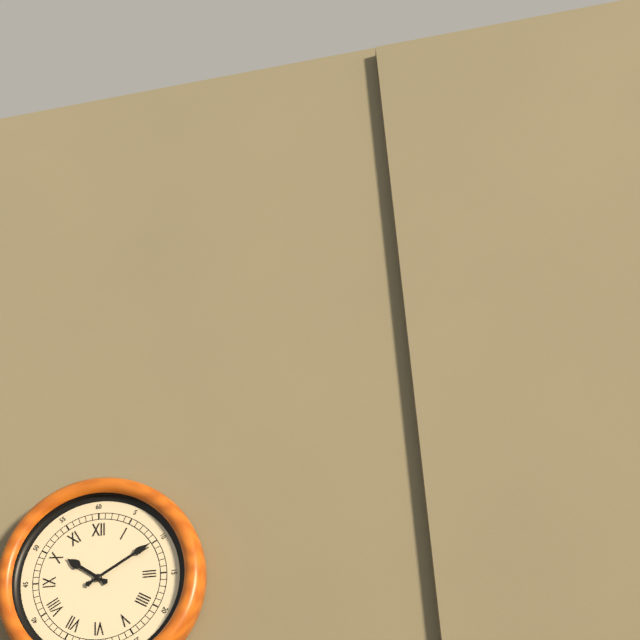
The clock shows 10.10
